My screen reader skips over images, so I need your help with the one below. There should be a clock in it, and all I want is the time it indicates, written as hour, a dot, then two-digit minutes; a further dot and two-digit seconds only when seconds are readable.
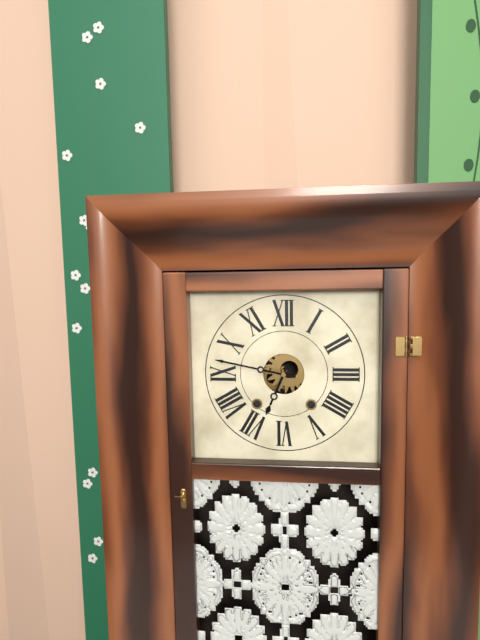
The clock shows 6.47
